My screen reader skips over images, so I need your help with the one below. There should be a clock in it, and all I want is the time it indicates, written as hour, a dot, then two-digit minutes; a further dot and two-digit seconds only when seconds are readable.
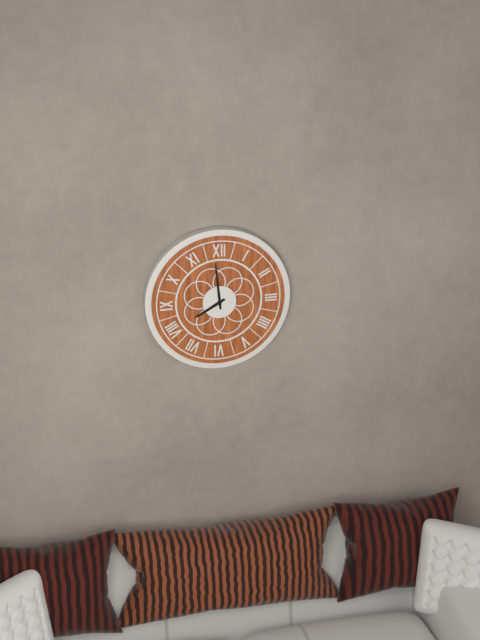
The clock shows 7.59
